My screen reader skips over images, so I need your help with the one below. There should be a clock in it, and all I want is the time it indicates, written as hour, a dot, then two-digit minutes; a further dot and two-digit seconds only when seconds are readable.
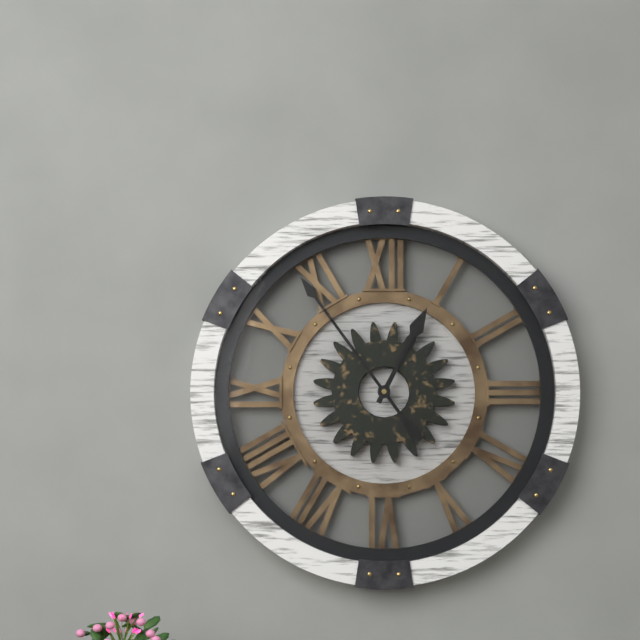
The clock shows 12.54
